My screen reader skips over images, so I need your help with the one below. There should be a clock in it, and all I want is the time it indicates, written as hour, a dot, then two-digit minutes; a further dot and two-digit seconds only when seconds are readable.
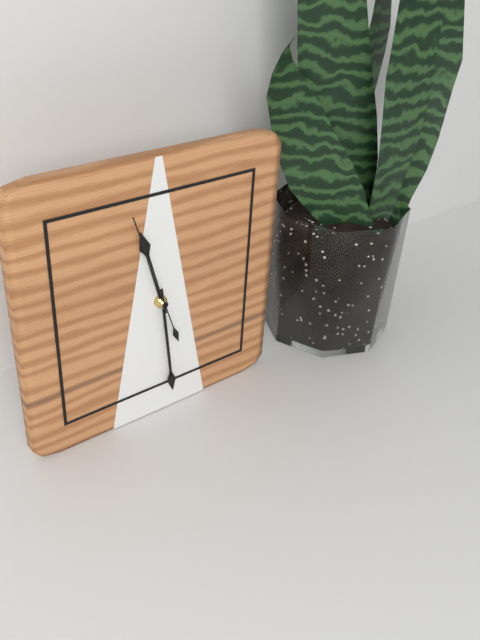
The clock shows 11.29.57
